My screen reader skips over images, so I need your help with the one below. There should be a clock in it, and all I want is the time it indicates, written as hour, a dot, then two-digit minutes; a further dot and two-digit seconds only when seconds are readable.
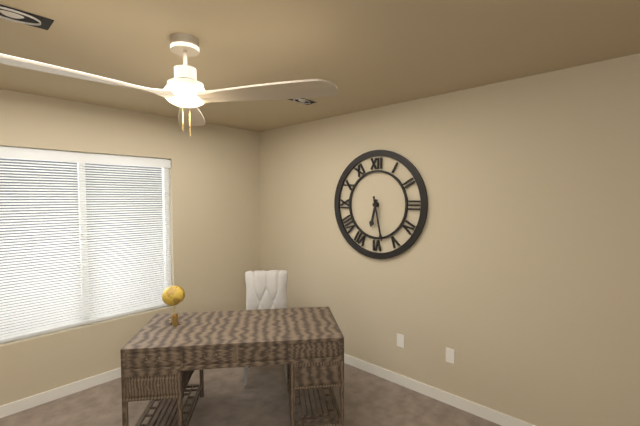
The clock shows 6.28
